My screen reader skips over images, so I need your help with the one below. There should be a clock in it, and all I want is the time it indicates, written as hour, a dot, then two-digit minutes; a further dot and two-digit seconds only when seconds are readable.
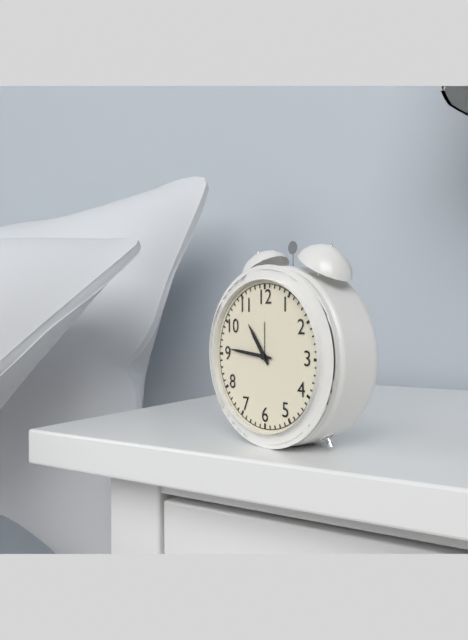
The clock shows 10.46
